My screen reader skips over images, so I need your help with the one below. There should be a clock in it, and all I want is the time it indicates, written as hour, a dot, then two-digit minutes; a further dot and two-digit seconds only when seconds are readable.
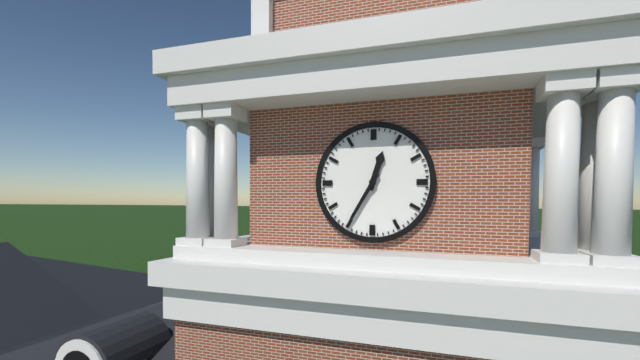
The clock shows 12.35
